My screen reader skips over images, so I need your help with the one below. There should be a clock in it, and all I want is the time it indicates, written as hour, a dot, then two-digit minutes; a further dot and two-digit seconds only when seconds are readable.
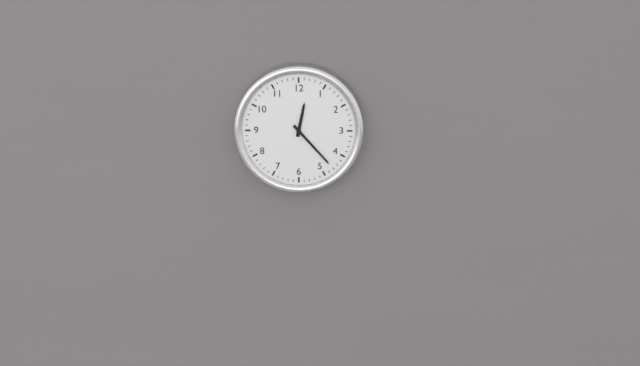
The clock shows 12.23
